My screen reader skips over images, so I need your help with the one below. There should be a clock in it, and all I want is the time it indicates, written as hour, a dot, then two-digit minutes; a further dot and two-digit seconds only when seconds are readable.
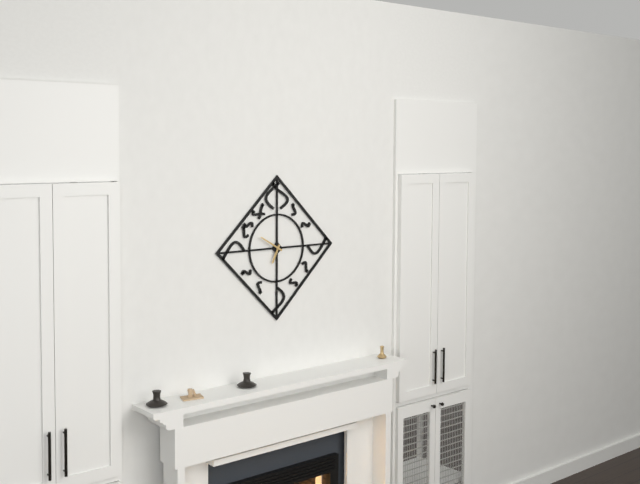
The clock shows 6.50
